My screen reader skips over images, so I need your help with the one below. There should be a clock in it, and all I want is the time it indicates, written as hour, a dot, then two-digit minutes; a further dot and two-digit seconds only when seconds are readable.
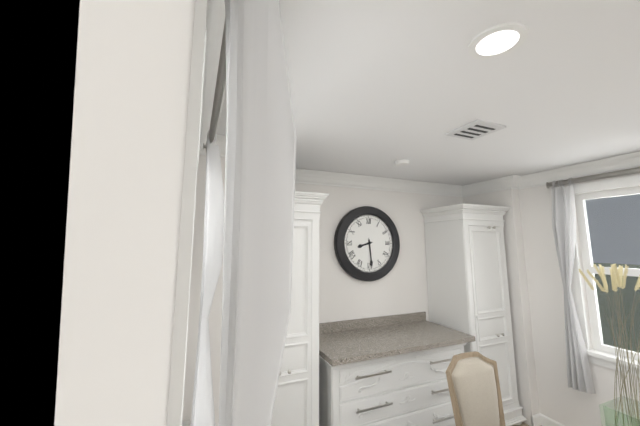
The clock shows 8.29
